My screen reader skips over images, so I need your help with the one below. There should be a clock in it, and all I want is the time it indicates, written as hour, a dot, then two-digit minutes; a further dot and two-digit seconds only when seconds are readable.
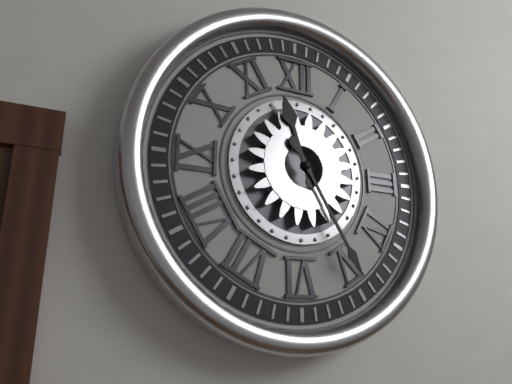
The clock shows 11.25
